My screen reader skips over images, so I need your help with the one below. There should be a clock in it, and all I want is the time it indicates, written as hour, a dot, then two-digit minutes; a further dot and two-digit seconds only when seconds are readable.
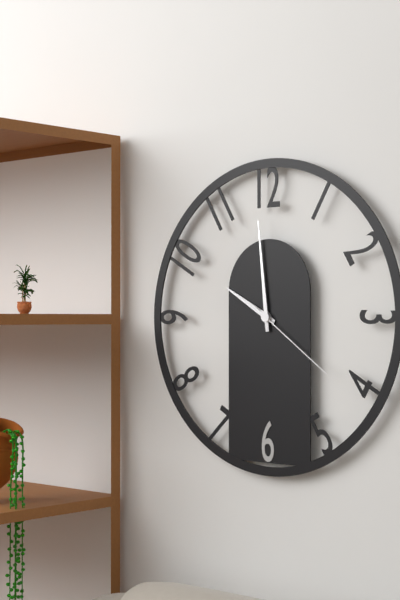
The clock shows 9.59.21
